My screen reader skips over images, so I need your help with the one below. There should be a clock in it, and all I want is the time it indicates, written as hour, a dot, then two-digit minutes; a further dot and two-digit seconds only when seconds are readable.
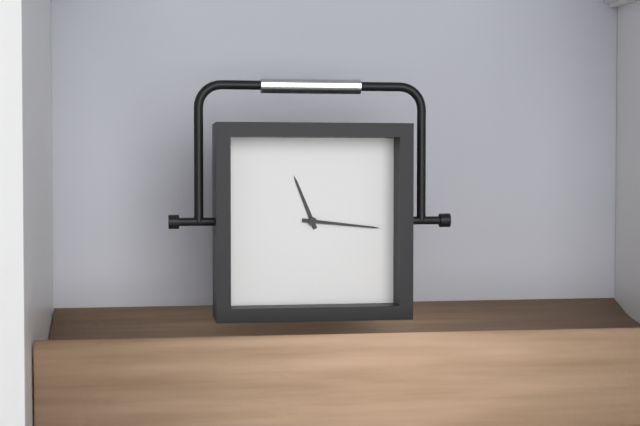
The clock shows 11.16
